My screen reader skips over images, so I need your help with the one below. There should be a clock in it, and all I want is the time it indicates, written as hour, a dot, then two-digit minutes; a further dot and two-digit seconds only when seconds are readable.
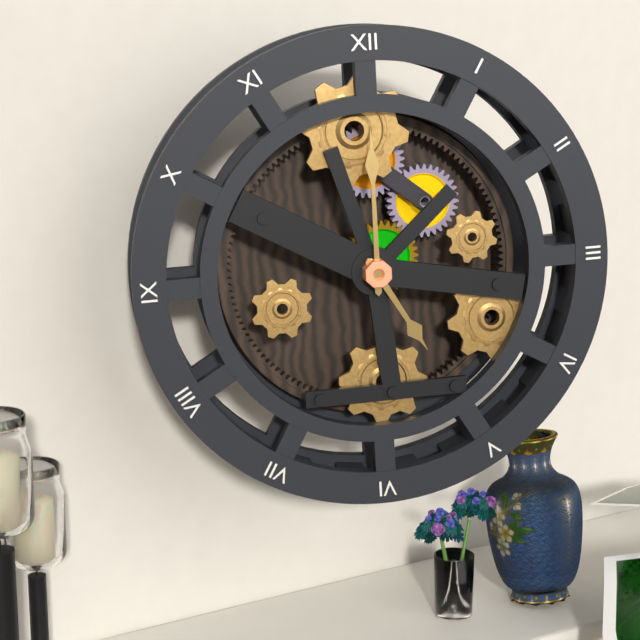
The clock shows 5.00
